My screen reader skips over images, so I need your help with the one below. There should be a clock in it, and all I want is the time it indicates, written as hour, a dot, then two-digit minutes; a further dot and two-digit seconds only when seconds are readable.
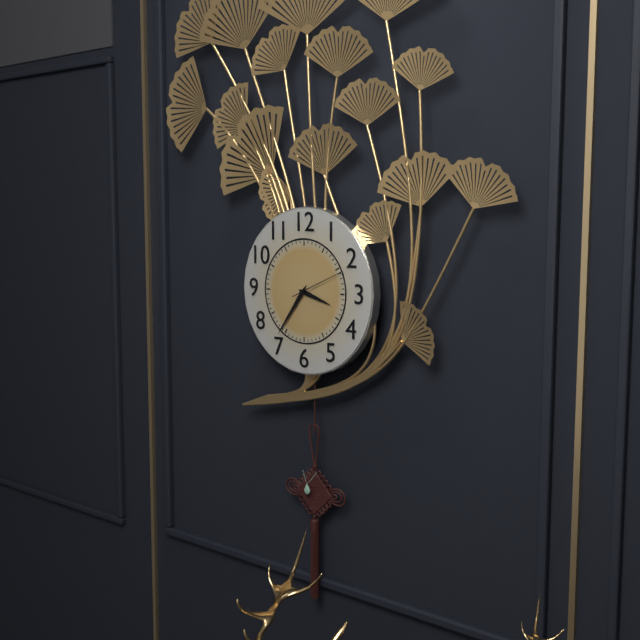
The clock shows 3.36.11
